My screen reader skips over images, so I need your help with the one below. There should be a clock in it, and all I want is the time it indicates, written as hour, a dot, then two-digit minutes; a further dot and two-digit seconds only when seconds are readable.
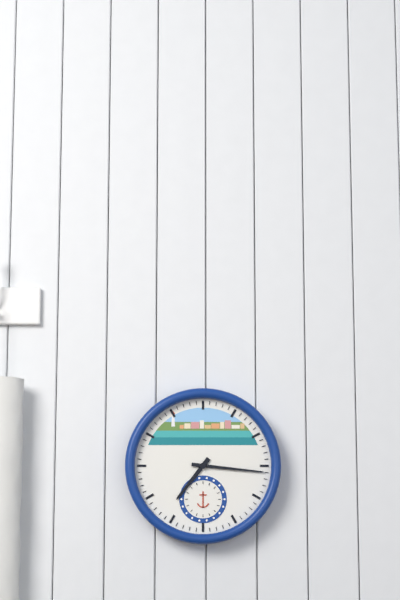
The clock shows 7.16
